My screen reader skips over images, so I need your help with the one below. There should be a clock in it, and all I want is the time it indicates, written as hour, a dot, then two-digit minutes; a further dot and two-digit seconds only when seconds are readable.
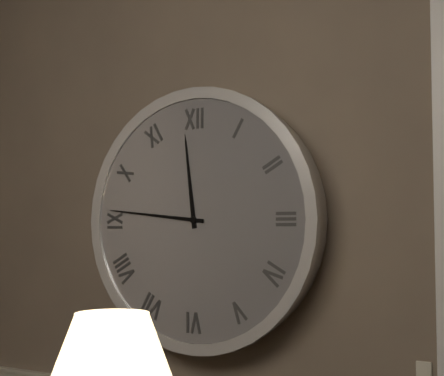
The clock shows 11.46
